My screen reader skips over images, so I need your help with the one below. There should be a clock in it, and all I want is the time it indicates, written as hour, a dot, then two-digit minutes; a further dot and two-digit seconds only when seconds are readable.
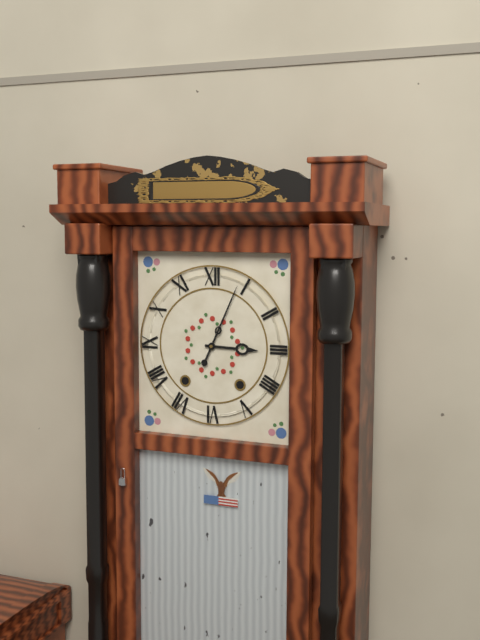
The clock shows 3.04
